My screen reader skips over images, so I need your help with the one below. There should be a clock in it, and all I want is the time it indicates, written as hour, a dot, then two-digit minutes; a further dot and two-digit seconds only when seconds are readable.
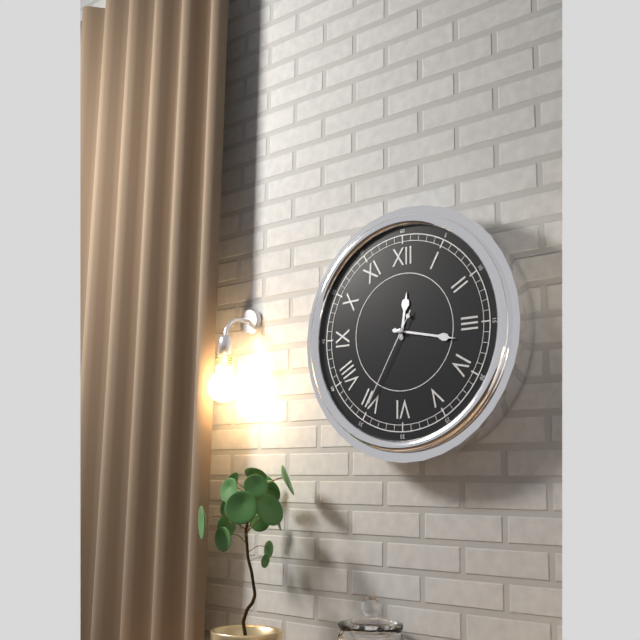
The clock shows 12.17.35
